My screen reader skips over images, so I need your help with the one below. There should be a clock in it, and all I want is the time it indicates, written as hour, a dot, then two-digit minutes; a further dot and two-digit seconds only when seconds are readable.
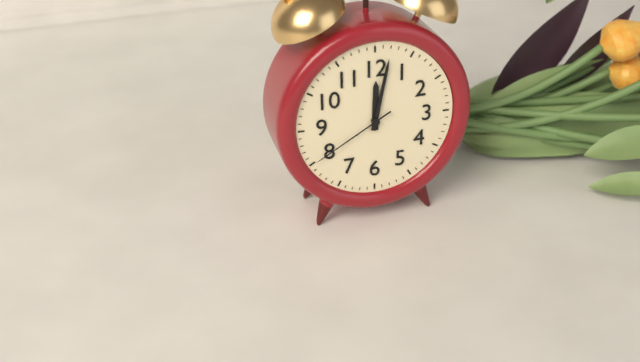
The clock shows 12.02.40
